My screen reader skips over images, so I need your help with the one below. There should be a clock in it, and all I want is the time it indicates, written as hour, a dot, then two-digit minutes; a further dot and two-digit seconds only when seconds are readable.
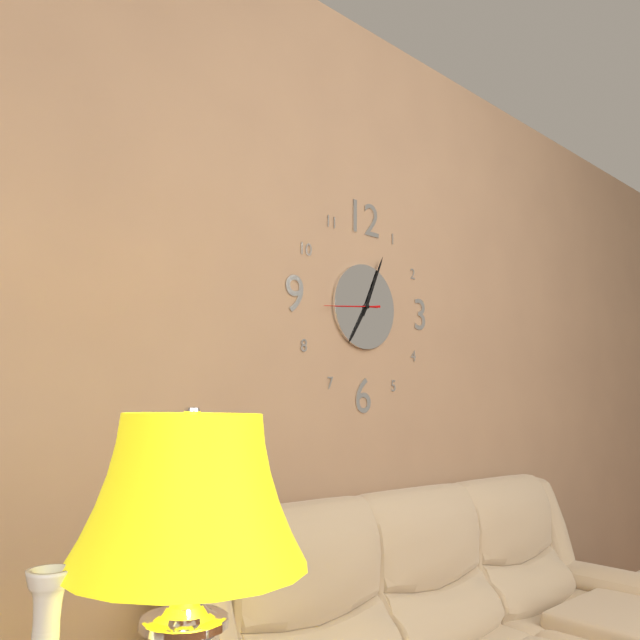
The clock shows 7.04
